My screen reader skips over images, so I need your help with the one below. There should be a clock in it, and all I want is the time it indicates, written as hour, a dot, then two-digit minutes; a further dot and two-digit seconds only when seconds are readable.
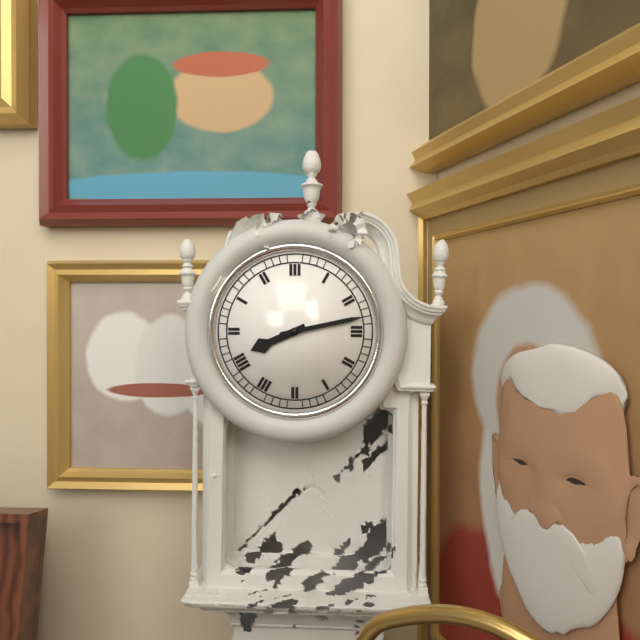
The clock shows 8.13
